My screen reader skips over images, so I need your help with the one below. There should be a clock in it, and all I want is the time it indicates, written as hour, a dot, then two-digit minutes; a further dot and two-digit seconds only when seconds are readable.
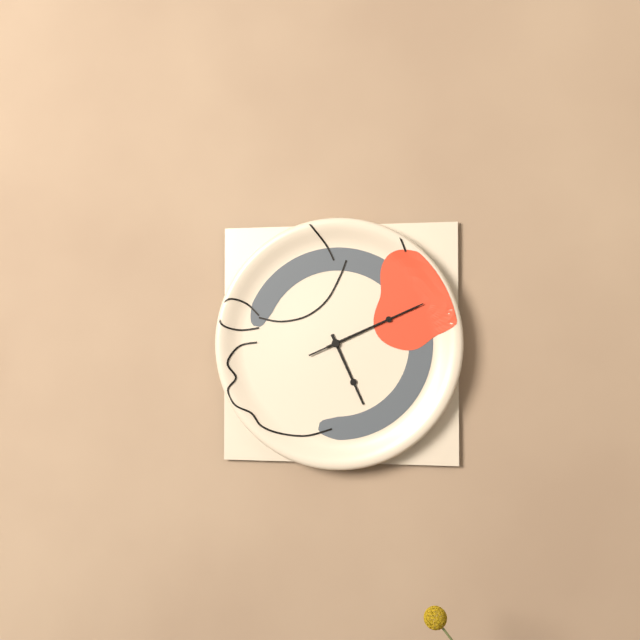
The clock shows 5.11.11
